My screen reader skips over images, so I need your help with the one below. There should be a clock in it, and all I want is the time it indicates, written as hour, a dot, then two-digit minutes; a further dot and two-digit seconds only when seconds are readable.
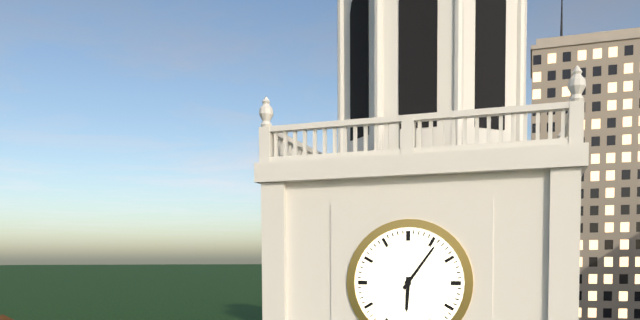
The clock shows 6.06
